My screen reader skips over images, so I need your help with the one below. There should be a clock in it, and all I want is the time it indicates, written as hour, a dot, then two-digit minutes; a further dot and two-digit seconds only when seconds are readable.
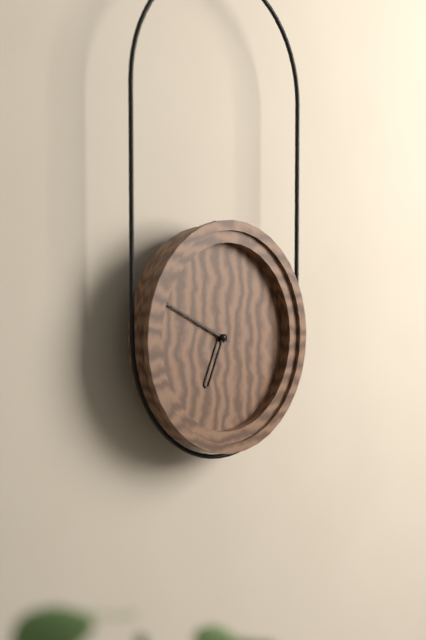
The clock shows 6.49
